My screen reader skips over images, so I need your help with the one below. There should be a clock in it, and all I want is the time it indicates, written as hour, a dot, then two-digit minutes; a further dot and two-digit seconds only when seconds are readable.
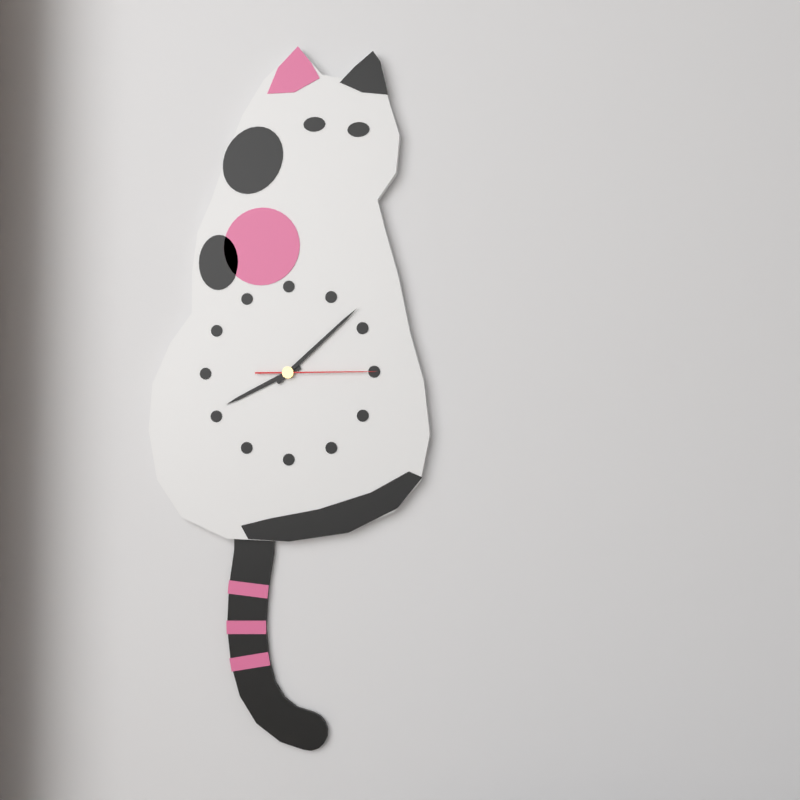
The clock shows 8.08.15
